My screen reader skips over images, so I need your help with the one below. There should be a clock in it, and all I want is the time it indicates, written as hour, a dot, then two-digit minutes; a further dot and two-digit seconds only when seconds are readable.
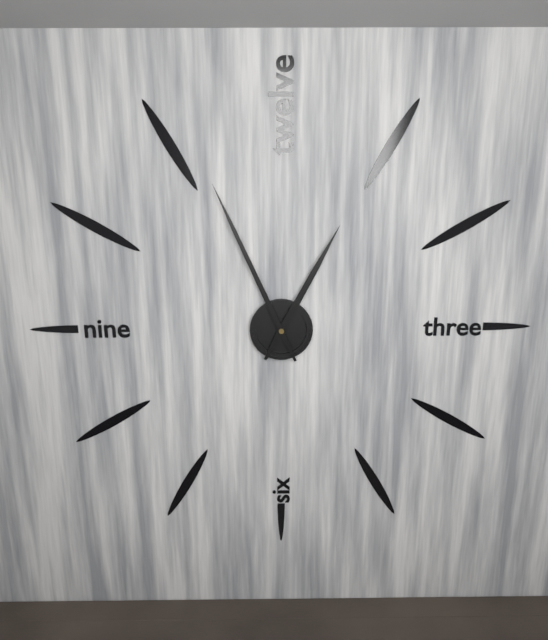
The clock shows 12.56
